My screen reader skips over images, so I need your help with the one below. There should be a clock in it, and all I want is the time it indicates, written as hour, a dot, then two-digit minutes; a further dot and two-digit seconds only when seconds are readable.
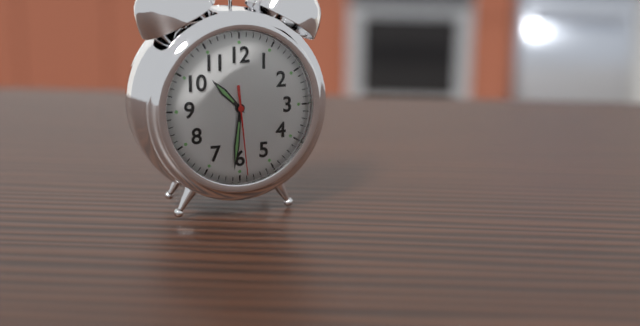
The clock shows 10.31.29
